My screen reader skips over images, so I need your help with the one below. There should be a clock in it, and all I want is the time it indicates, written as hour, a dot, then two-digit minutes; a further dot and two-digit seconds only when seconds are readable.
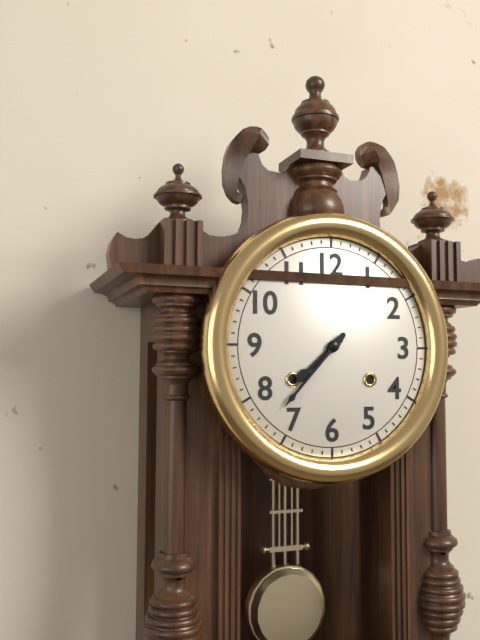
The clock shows 7.37
